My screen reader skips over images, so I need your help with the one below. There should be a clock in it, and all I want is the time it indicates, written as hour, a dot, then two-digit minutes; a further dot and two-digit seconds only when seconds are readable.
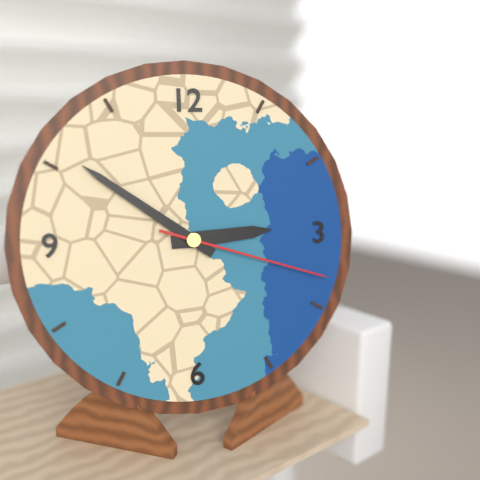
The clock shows 2.51.18
